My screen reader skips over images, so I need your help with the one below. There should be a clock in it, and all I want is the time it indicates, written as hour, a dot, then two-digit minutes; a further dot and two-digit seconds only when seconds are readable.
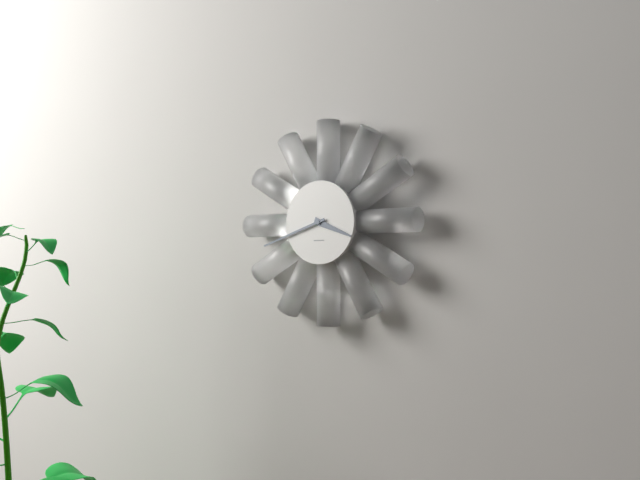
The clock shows 3.42
